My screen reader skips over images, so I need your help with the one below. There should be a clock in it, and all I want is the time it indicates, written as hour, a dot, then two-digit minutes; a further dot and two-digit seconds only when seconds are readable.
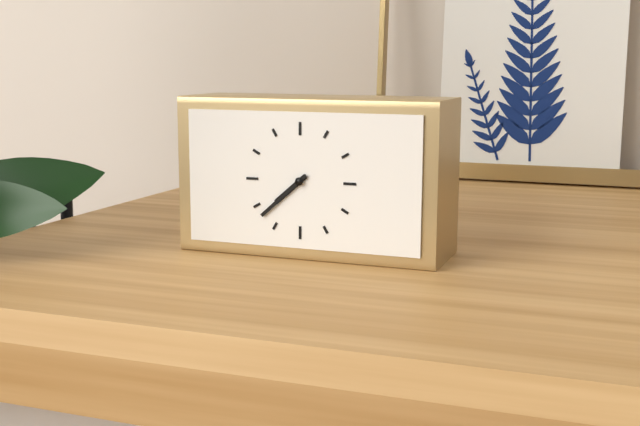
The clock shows 7.38
